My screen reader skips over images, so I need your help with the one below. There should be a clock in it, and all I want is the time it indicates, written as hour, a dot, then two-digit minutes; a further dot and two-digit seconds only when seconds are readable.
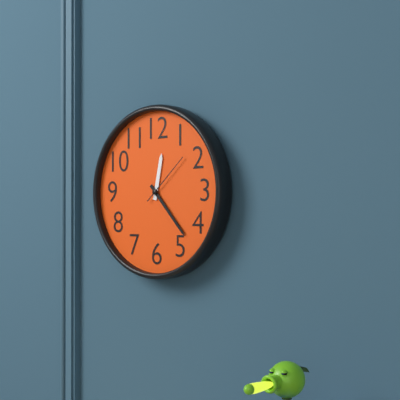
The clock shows 12.23.08
